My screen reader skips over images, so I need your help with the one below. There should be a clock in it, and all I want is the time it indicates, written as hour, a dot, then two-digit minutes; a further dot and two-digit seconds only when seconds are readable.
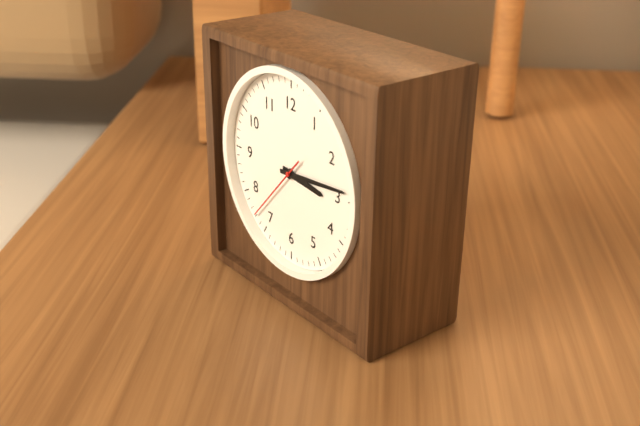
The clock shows 3.14.37
